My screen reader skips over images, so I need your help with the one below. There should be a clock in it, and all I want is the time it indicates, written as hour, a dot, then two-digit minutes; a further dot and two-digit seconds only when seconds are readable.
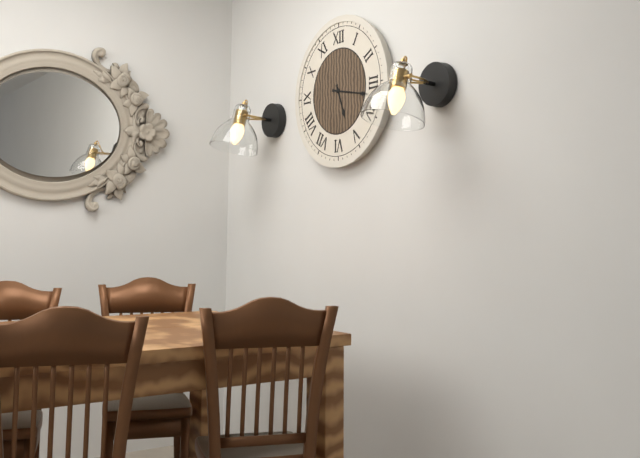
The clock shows 5.17
